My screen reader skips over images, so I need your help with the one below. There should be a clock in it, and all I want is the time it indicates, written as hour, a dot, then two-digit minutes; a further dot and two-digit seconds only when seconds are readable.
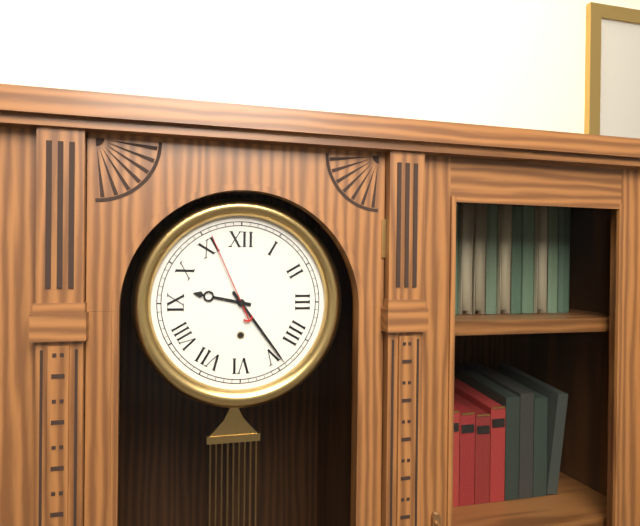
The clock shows 9.24.56
